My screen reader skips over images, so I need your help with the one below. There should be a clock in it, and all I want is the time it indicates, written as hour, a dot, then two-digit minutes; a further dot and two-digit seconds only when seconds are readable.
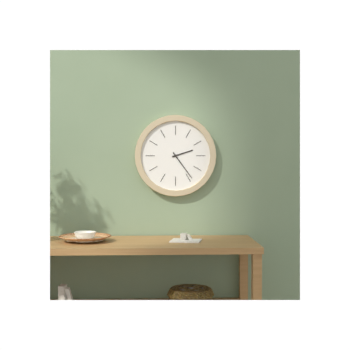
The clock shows 2.24
